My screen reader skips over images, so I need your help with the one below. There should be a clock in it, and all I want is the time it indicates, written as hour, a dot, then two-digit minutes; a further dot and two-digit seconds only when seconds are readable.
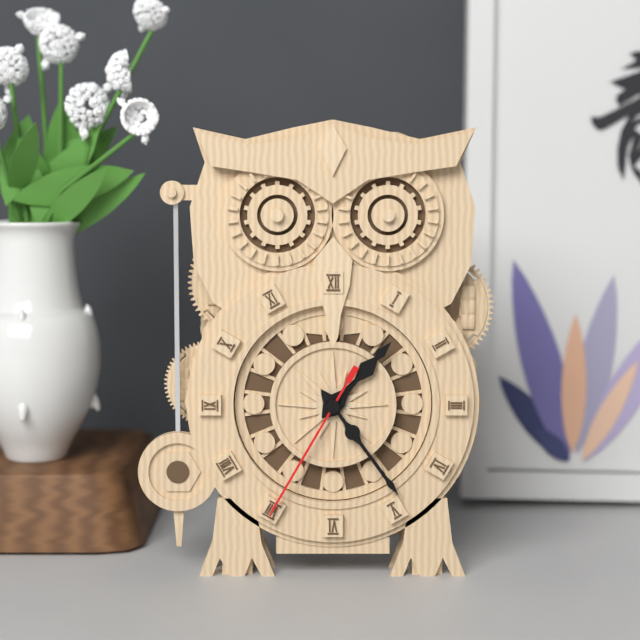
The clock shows 1.24.35
